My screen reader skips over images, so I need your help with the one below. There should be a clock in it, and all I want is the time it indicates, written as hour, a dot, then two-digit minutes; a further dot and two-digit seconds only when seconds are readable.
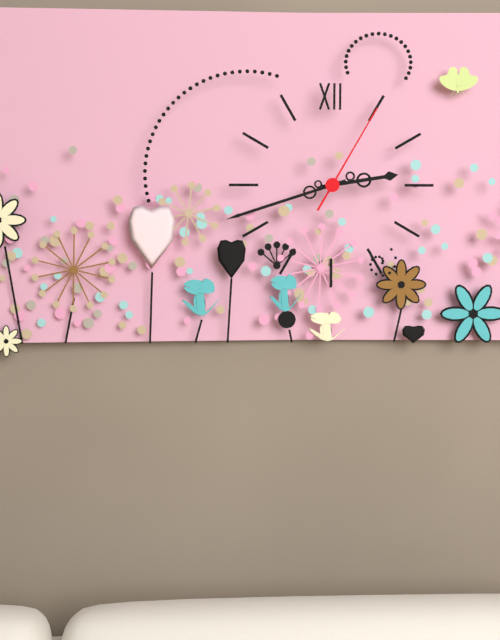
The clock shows 2.42.05
